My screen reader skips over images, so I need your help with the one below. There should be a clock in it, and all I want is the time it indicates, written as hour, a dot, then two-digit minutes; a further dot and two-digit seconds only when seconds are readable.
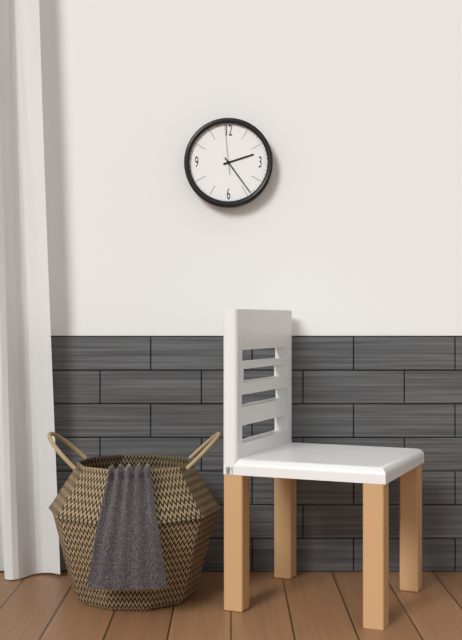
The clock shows 2.24
